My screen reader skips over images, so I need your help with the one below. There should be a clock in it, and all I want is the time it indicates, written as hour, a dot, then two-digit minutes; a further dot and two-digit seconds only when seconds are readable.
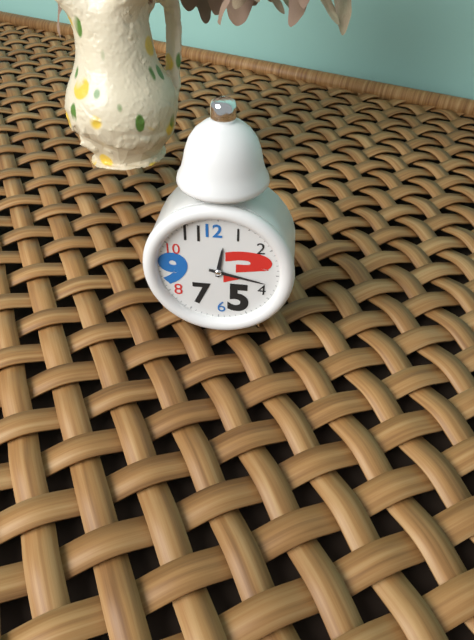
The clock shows 12.17
